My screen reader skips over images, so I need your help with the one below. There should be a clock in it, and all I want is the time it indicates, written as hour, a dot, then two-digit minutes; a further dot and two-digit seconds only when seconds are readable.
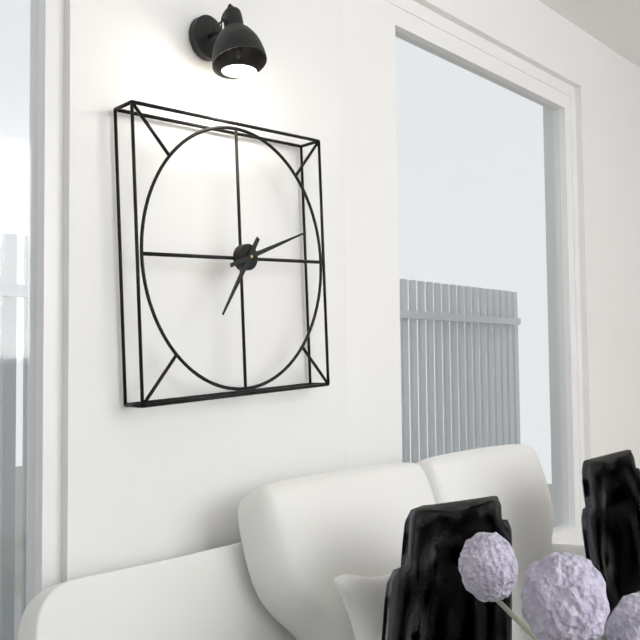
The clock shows 7.12
